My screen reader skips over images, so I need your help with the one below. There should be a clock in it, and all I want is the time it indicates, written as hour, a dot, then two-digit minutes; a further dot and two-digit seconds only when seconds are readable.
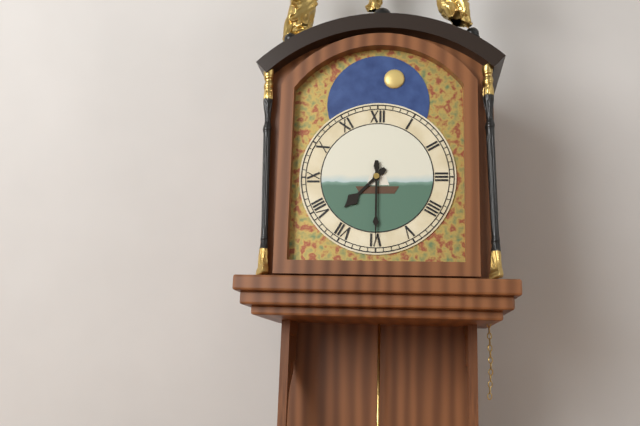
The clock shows 7.30
